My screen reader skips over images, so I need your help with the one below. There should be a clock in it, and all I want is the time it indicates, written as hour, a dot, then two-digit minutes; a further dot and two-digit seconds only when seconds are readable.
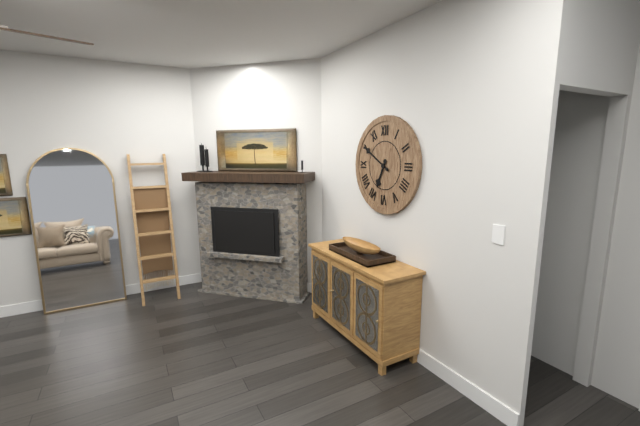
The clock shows 6.50
